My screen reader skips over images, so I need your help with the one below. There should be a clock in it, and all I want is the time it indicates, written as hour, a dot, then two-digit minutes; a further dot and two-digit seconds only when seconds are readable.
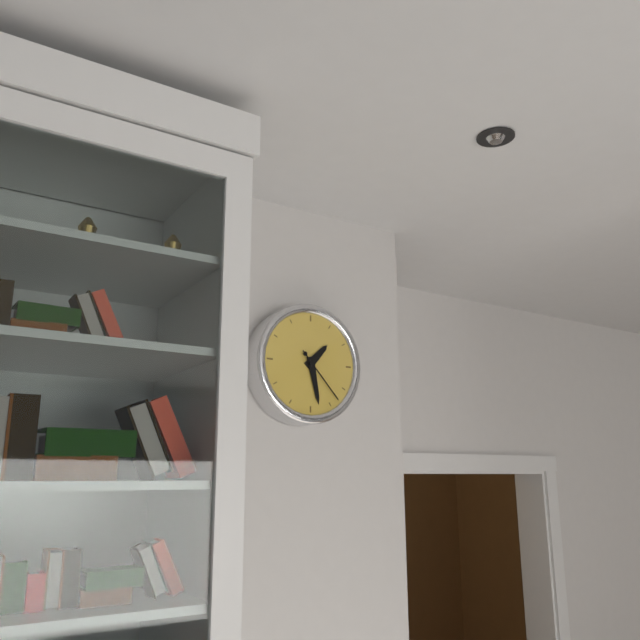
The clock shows 1.28.23
